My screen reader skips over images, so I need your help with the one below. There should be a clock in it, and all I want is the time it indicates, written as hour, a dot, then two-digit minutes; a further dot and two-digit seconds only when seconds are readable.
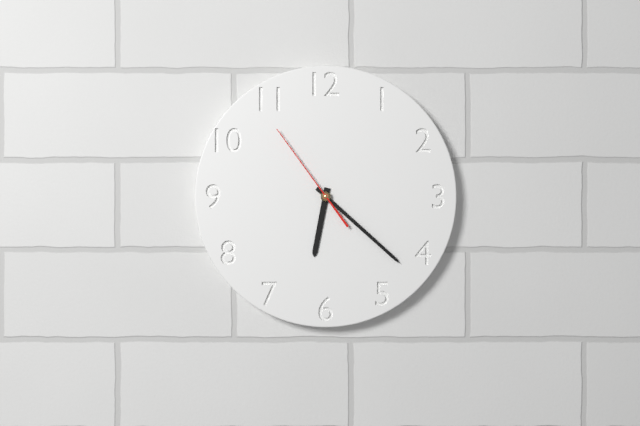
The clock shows 6.22.54
